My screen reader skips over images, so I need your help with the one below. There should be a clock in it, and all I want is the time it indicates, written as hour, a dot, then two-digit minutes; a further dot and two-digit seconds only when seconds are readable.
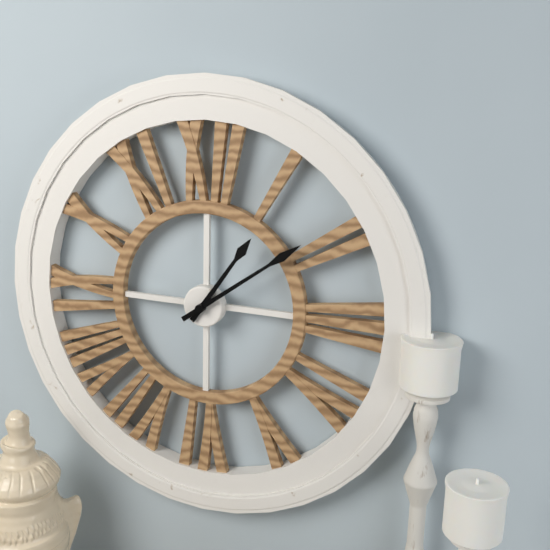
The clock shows 1.09
